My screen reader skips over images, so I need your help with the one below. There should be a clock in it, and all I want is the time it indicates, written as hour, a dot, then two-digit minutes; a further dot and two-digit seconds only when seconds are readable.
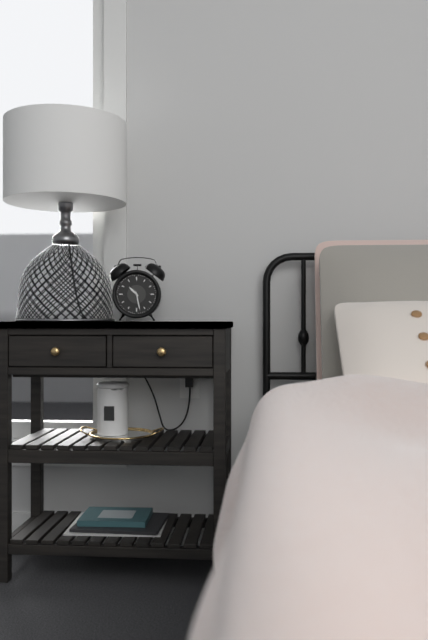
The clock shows 10.28
